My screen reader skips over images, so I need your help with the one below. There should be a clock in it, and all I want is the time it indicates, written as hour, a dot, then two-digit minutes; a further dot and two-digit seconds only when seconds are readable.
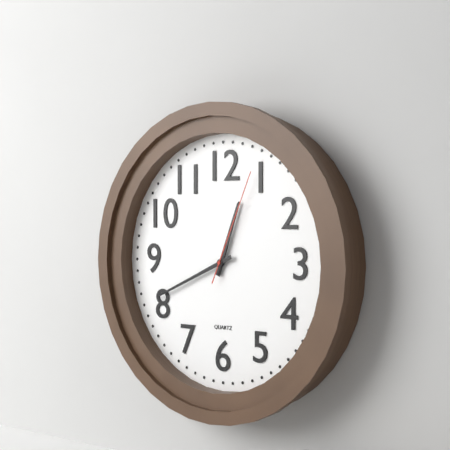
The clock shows 12.41.04
